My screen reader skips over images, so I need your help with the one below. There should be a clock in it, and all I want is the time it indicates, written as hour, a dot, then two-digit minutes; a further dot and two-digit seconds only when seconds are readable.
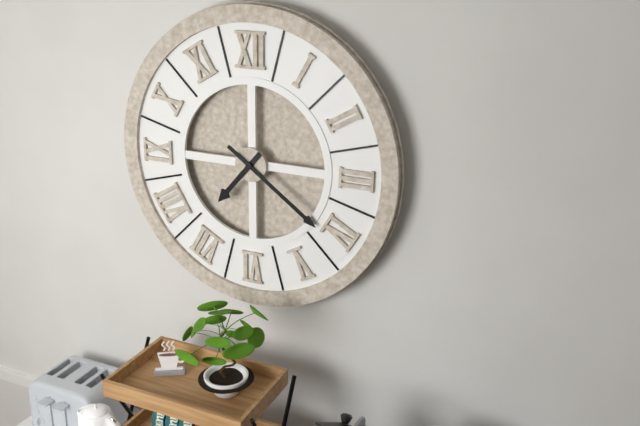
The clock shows 7.21
